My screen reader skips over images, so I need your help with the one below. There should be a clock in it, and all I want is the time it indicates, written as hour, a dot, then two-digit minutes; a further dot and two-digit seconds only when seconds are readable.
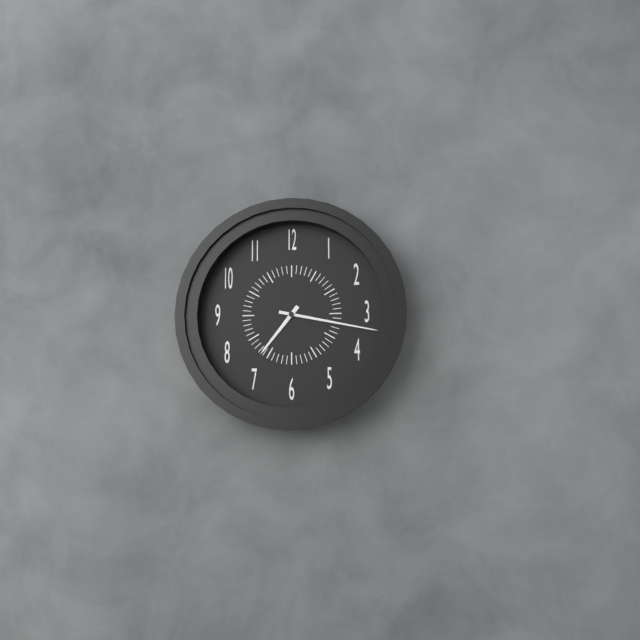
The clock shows 7.17
